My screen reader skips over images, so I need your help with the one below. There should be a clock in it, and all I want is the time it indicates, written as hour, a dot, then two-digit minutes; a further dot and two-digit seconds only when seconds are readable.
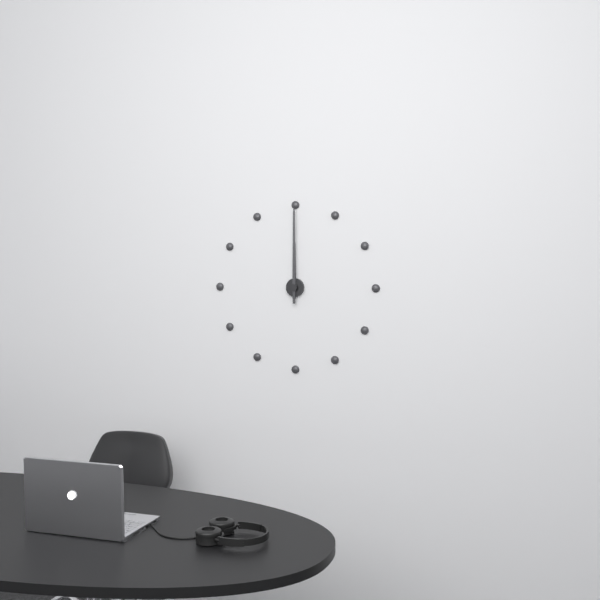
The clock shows 12.00
